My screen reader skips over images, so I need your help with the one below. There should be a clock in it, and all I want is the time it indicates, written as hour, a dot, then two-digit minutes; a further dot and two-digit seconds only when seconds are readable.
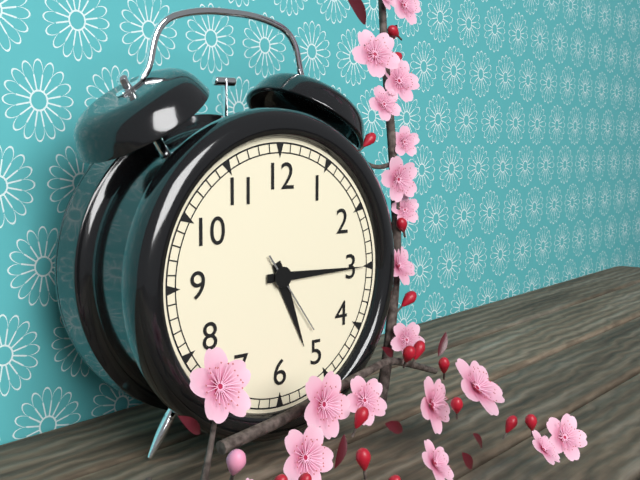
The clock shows 5.15.24
